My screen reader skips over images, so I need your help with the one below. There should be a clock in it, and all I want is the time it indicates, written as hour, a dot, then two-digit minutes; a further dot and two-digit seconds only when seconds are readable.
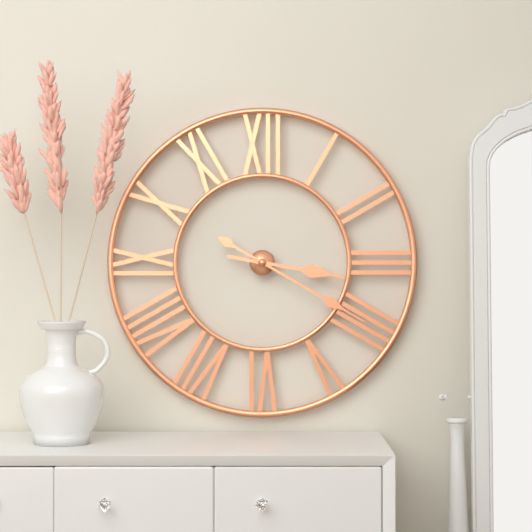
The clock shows 3.20
